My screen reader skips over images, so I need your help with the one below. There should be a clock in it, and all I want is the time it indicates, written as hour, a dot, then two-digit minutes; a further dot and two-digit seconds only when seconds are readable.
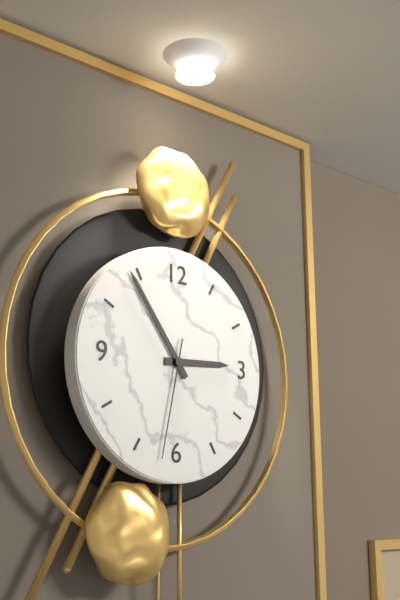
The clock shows 2.54.32
